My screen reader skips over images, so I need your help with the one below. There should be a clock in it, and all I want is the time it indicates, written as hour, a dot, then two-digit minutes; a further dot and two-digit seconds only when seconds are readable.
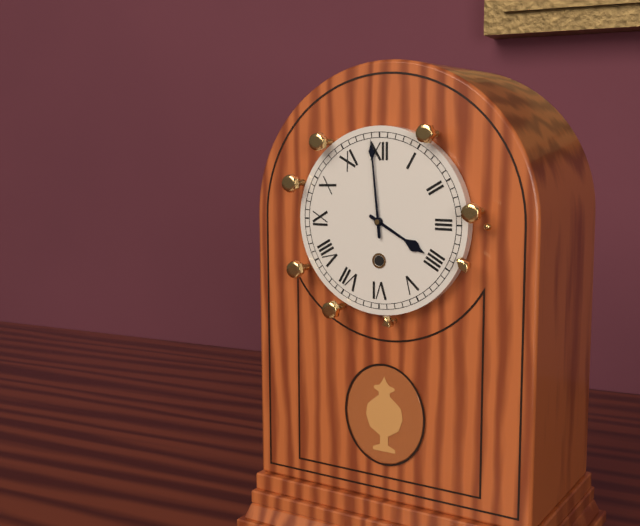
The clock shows 3.59
